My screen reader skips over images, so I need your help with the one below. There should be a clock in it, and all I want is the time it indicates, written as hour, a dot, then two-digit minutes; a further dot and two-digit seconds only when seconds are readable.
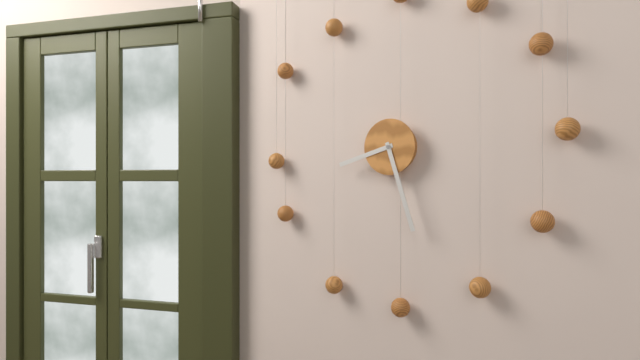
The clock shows 8.27
